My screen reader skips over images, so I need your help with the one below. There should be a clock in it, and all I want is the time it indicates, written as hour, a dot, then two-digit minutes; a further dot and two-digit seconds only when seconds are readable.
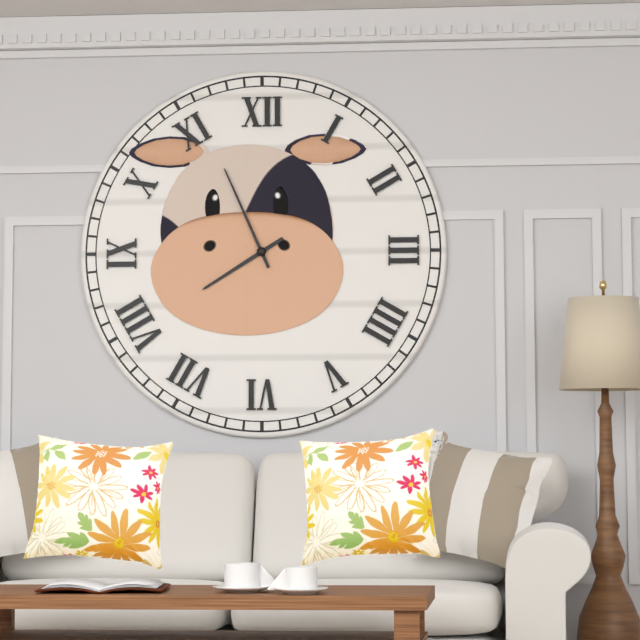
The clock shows 7.56
